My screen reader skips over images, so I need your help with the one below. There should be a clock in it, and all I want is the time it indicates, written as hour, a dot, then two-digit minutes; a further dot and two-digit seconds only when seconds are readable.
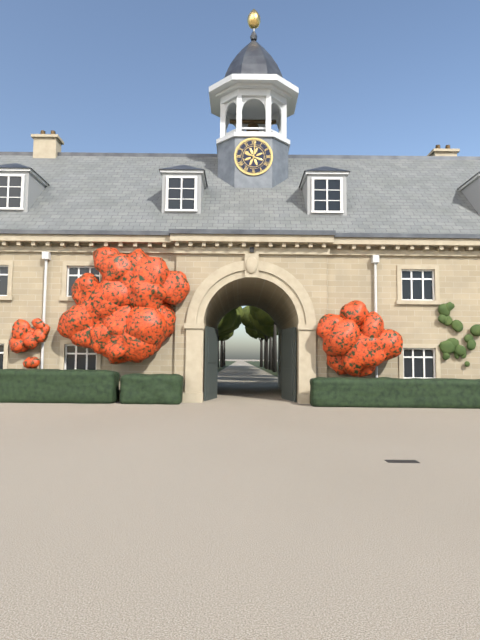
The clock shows 10.01
